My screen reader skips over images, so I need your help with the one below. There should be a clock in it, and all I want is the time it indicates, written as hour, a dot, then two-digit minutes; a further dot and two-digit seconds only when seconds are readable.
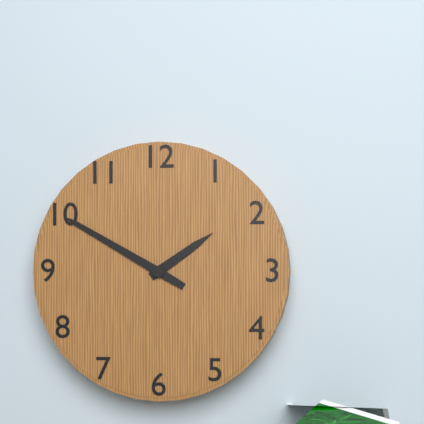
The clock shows 1.50
